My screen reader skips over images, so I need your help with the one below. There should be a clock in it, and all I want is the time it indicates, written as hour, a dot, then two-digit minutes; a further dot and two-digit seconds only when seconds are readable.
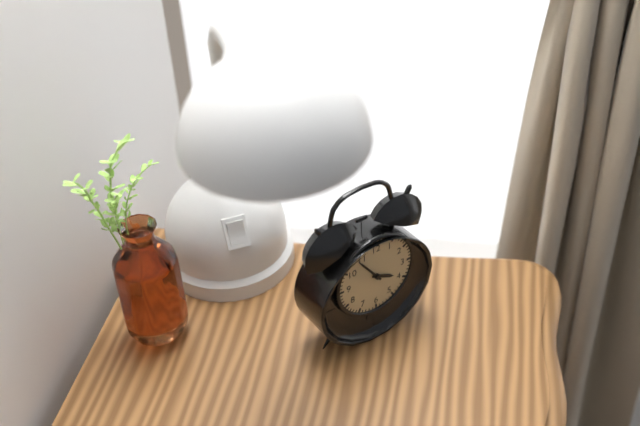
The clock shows 3.54
